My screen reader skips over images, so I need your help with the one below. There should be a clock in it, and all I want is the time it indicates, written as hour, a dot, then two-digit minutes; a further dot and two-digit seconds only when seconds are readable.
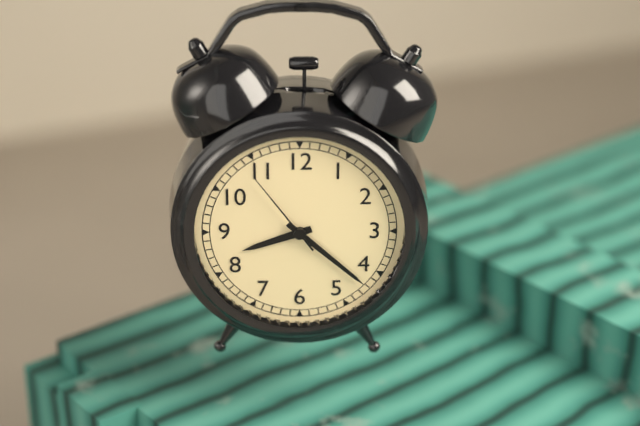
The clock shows 8.22.54
